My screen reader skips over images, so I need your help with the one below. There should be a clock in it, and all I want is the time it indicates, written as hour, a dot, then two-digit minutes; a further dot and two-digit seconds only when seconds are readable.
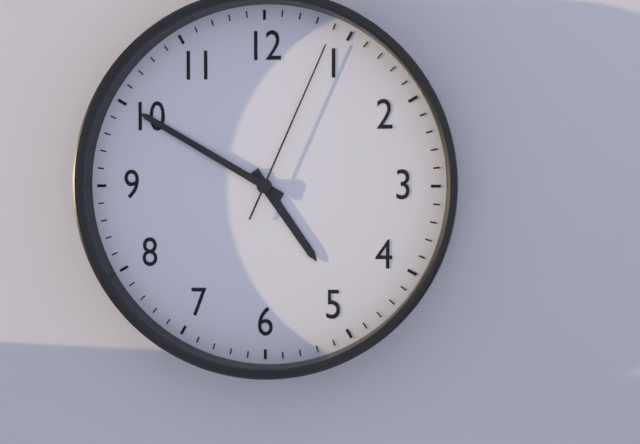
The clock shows 4.50.04
